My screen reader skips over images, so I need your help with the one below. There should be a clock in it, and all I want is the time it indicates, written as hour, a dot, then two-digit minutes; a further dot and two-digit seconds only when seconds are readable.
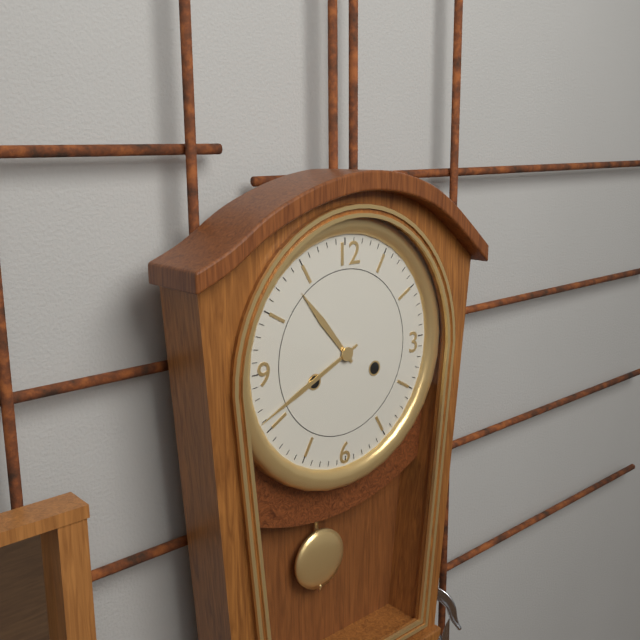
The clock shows 10.41
